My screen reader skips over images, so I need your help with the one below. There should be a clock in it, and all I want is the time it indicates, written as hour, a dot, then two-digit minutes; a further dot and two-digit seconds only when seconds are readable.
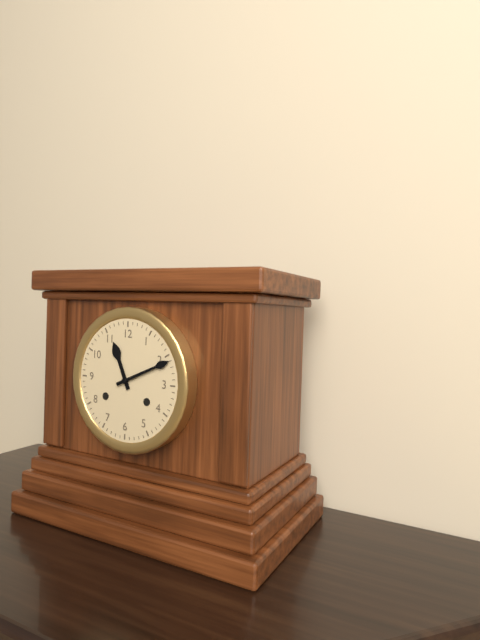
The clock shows 11.11
